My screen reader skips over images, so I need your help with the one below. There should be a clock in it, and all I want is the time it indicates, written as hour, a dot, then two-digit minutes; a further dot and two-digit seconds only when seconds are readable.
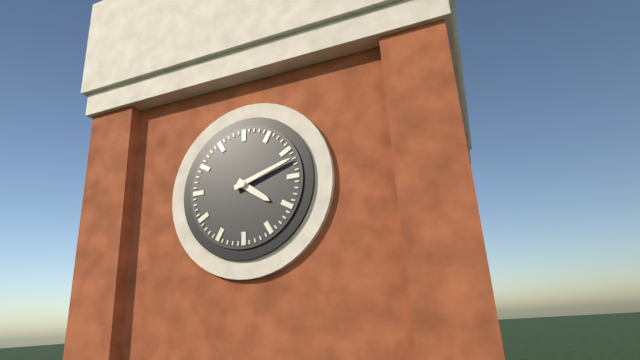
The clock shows 4.12
